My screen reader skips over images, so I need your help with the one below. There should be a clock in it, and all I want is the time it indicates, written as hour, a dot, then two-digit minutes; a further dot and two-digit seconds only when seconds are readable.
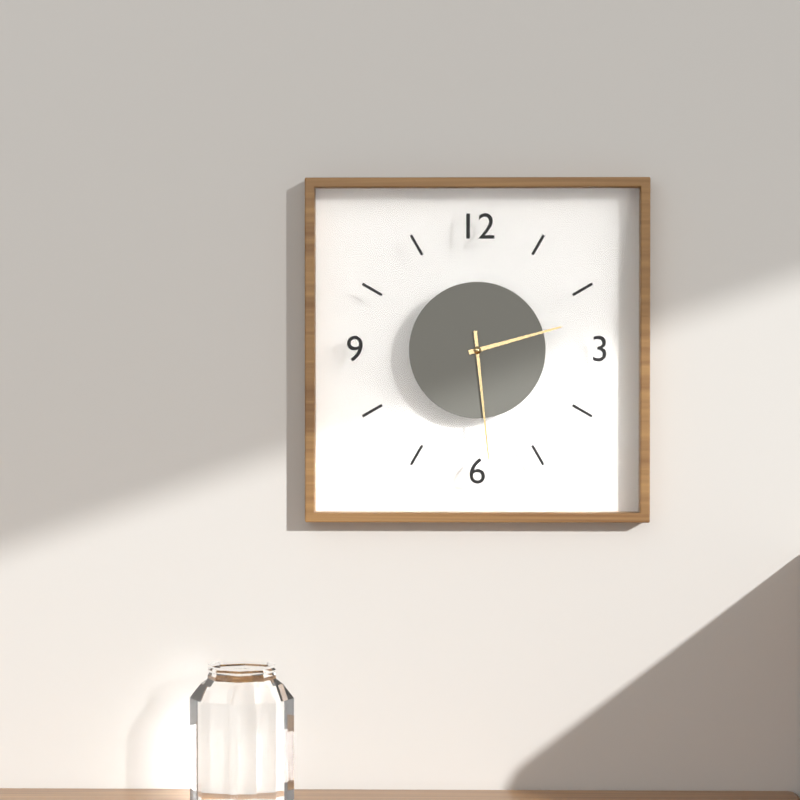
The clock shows 2.29
